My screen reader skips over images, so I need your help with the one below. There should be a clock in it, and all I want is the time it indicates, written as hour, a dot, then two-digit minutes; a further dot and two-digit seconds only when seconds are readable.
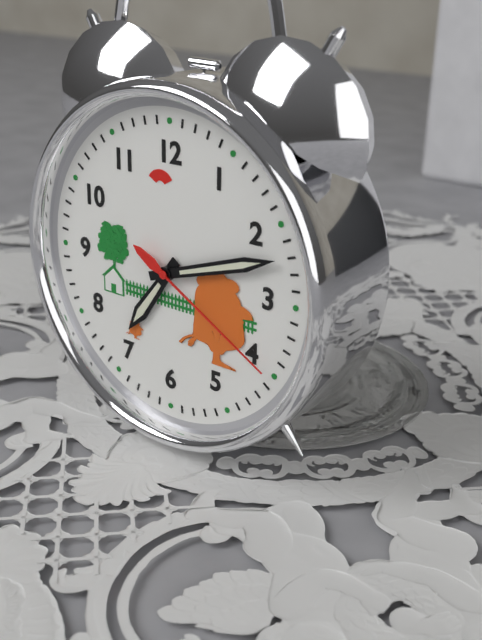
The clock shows 7.12.20
